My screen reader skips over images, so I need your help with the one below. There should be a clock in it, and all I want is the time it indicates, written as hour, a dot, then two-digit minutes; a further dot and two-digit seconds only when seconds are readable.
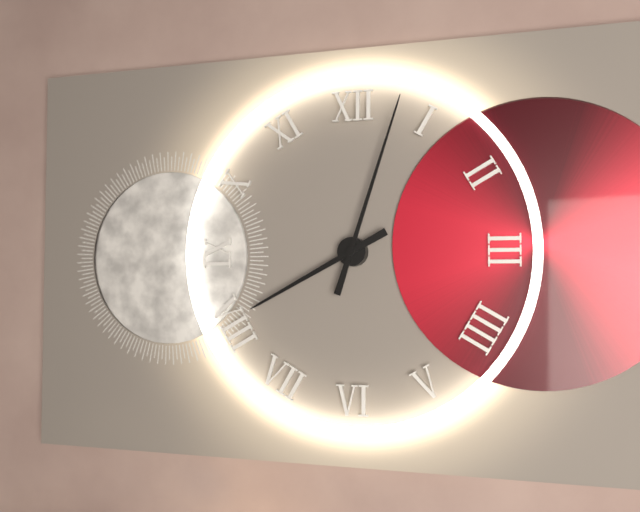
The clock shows 8.03
